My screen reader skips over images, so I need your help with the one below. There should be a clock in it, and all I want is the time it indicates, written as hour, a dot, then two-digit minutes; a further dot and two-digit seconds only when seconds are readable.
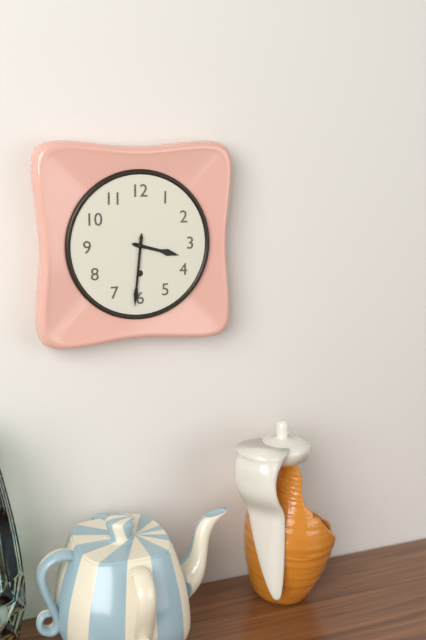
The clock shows 3.31
